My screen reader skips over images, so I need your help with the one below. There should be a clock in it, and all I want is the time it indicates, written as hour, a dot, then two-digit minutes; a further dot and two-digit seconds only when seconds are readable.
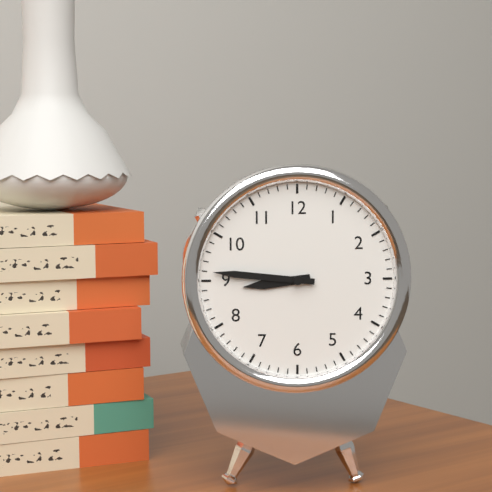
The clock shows 8.46
